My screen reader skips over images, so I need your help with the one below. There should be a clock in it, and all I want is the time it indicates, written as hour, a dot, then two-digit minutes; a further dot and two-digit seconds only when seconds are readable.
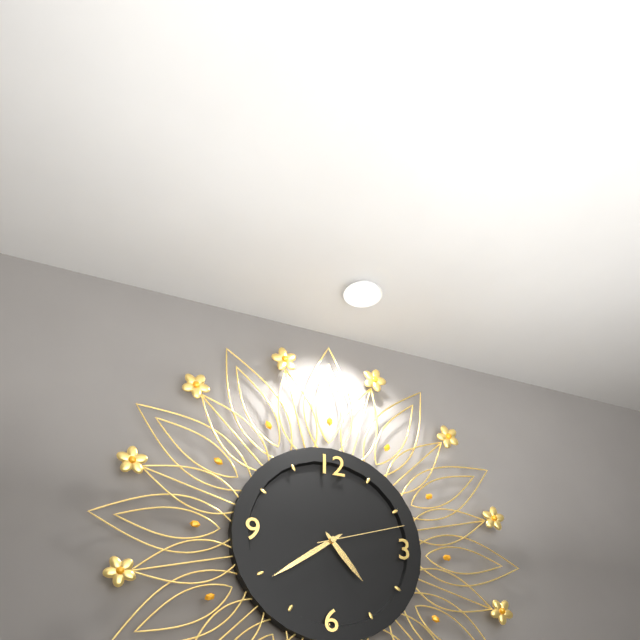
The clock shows 4.39.12
